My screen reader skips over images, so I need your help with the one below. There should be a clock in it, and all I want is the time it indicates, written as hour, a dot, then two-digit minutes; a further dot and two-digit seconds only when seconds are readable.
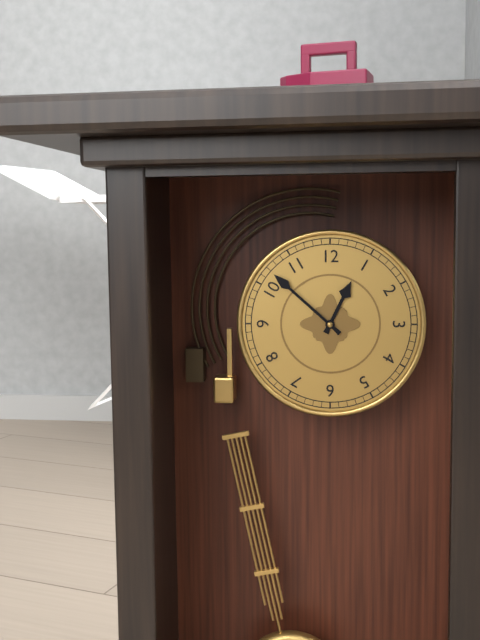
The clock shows 12.52
